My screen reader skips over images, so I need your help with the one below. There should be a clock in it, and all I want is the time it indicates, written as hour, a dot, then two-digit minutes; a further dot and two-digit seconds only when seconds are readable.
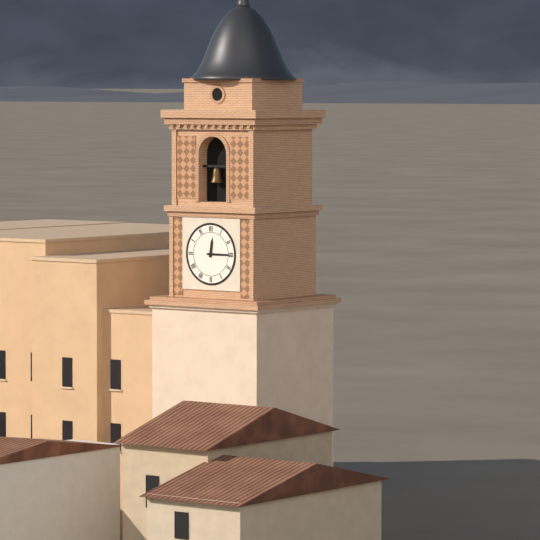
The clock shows 12.15
